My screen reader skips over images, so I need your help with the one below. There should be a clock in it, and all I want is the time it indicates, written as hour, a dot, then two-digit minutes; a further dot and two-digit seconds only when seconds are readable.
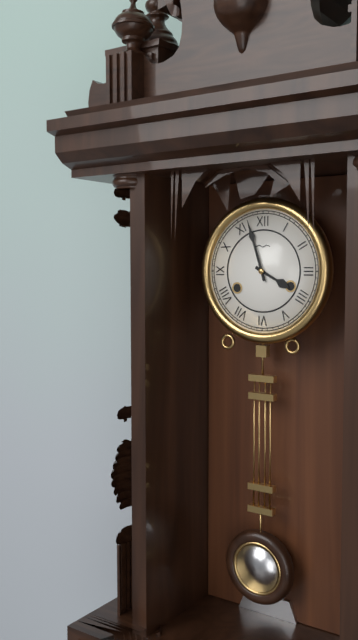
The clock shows 3.57
